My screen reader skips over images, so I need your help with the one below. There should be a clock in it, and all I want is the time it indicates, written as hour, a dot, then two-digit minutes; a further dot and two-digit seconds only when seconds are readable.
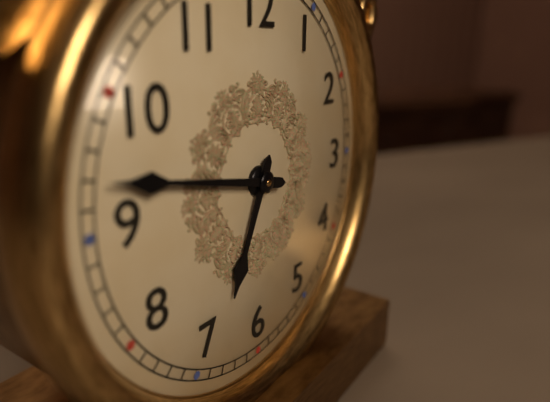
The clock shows 6.47
